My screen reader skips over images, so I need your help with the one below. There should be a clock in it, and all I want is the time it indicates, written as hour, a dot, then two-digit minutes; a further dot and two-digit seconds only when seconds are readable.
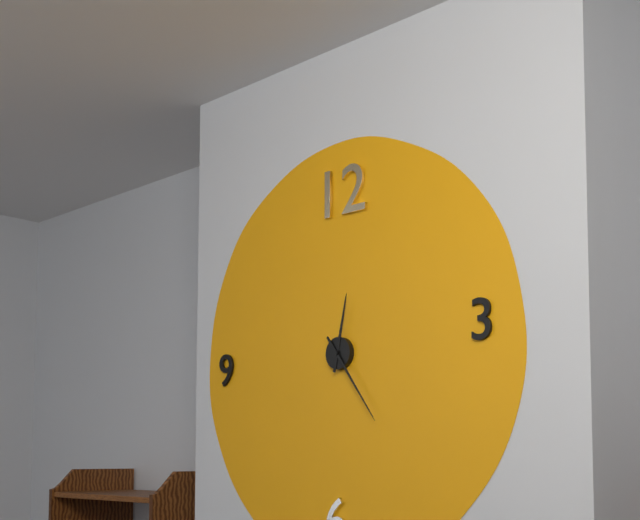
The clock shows 12.24
